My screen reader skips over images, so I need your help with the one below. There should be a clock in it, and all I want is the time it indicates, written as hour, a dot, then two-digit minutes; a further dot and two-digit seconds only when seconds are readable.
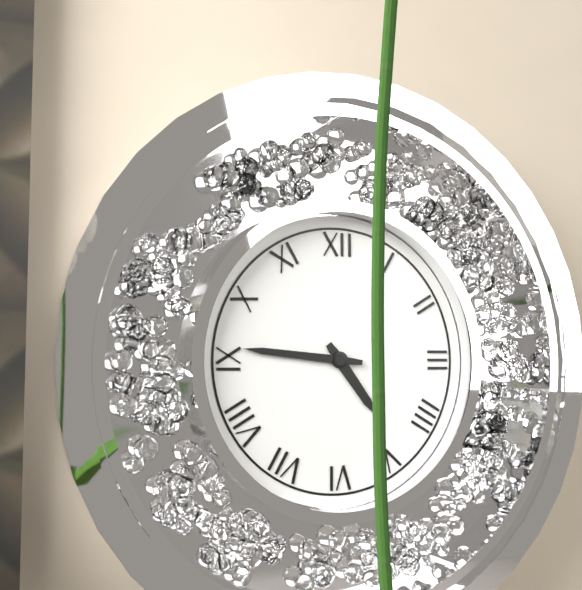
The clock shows 4.46
